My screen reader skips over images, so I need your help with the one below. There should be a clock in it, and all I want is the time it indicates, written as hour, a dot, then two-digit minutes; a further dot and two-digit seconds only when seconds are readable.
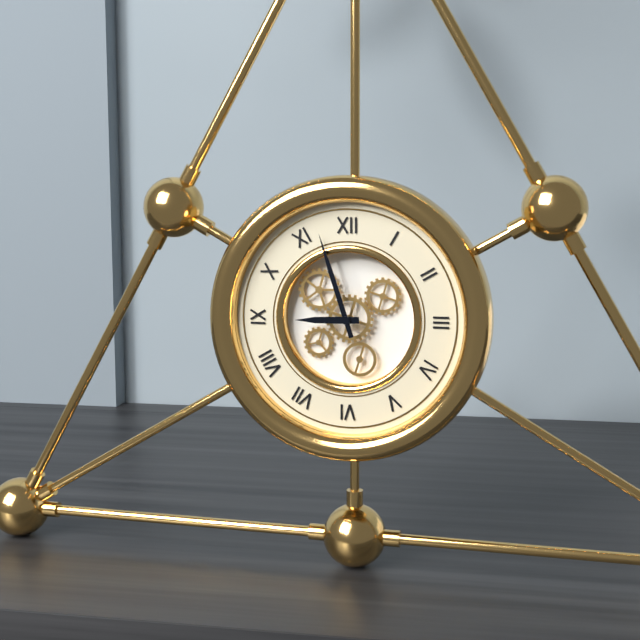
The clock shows 8.57
